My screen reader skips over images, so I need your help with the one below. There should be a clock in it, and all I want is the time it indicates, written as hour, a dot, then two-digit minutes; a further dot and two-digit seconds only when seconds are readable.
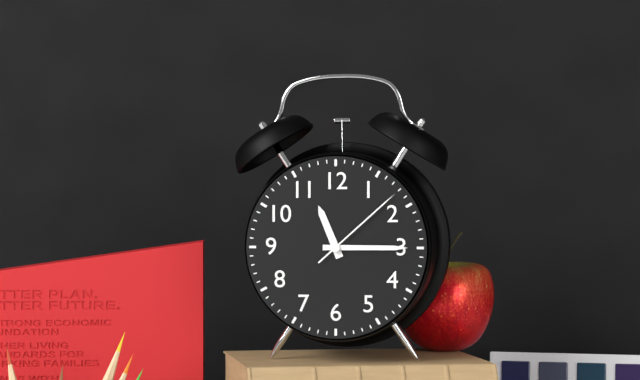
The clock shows 11.15.08
